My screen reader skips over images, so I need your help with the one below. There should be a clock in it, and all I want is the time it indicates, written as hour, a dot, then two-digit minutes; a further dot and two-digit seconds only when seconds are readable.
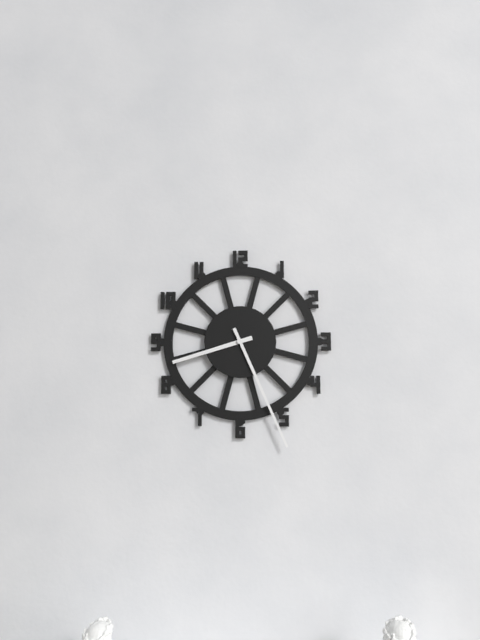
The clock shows 8.26
